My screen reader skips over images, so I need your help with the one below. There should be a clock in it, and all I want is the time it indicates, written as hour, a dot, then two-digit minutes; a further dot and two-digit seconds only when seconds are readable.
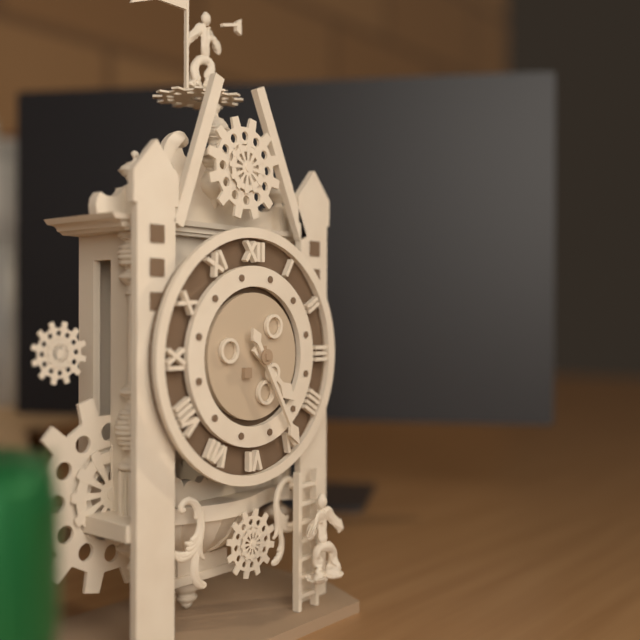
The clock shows 4.25
